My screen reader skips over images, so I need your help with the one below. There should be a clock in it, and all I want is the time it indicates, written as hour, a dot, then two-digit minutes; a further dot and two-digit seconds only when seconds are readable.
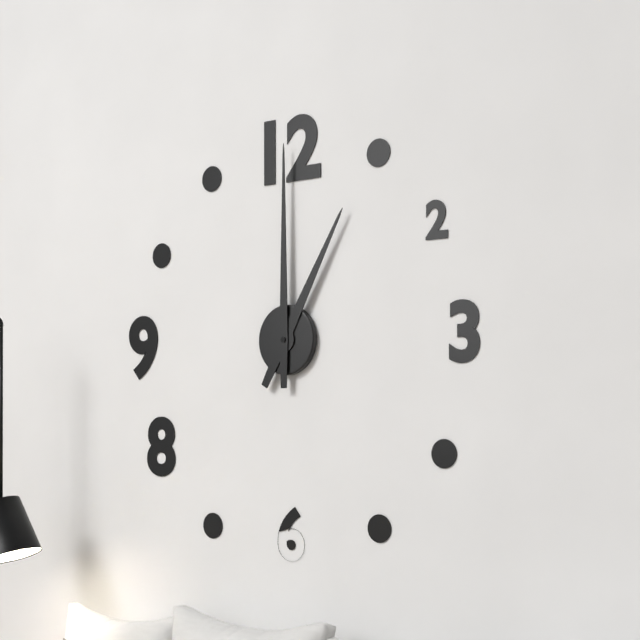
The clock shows 1.00
